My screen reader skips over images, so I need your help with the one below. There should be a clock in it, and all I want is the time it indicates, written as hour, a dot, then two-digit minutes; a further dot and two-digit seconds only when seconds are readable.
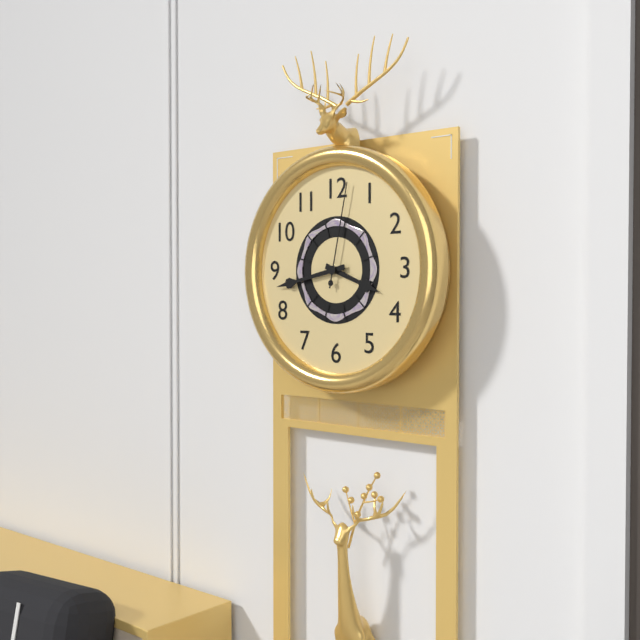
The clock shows 3.43.02
